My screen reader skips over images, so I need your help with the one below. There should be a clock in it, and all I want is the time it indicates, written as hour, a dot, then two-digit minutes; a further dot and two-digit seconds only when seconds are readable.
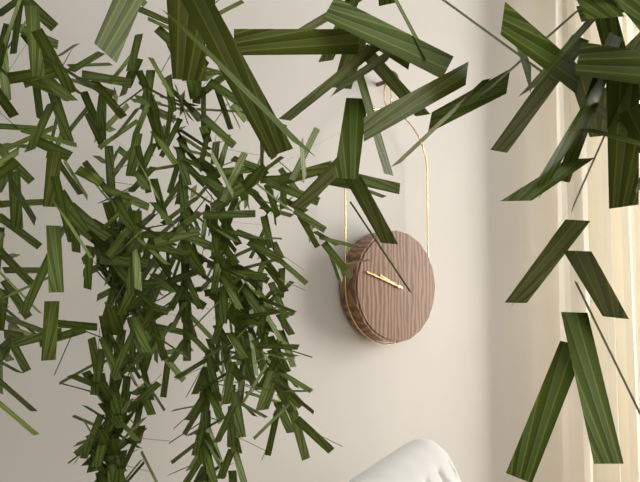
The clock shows 9.48
